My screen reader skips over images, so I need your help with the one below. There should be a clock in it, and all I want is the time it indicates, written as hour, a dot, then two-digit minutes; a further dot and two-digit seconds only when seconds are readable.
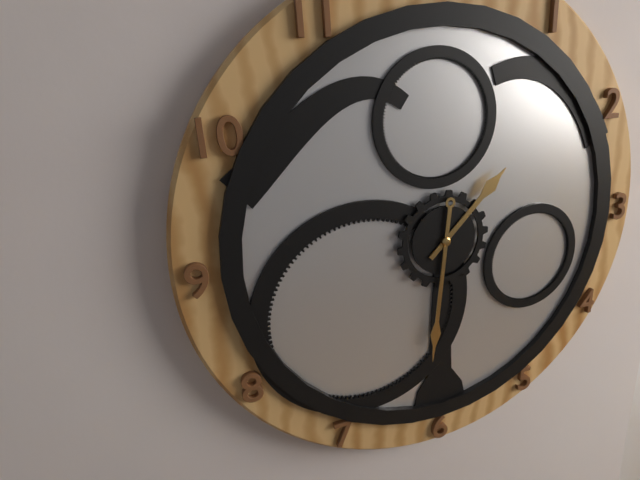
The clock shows 1.31
